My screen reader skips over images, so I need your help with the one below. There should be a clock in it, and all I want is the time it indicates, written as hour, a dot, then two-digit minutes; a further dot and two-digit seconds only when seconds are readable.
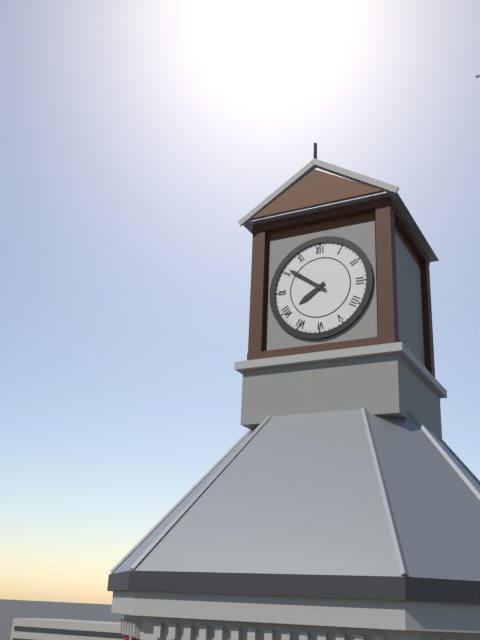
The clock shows 7.51
